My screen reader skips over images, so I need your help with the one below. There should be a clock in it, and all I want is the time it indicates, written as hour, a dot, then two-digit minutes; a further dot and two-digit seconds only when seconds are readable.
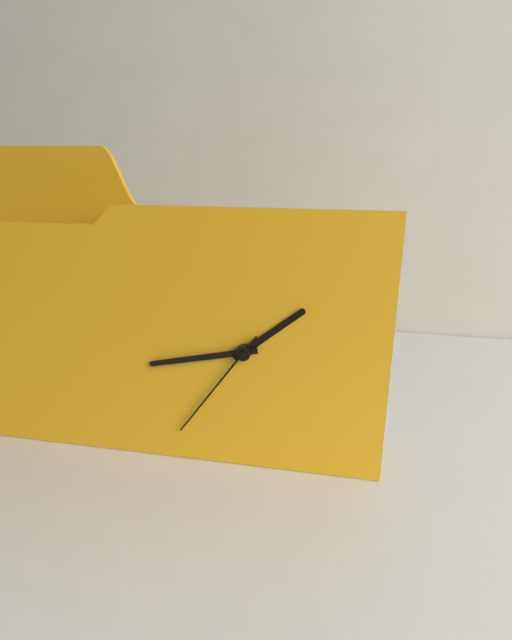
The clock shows 1.43.36
